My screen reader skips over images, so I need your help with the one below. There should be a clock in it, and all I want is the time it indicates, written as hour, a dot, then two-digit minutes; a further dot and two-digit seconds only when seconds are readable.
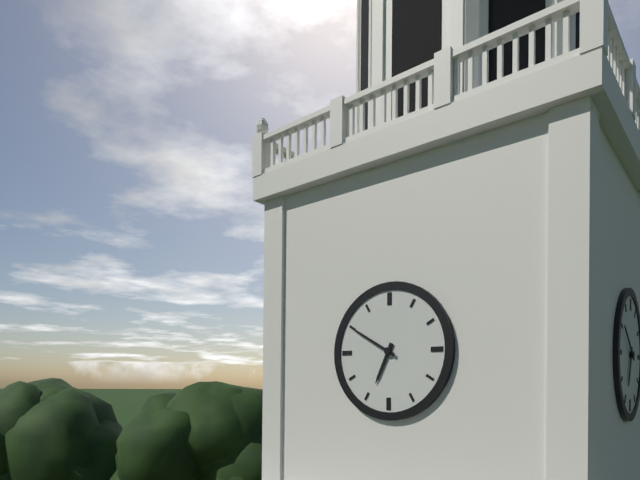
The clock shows 6.50
